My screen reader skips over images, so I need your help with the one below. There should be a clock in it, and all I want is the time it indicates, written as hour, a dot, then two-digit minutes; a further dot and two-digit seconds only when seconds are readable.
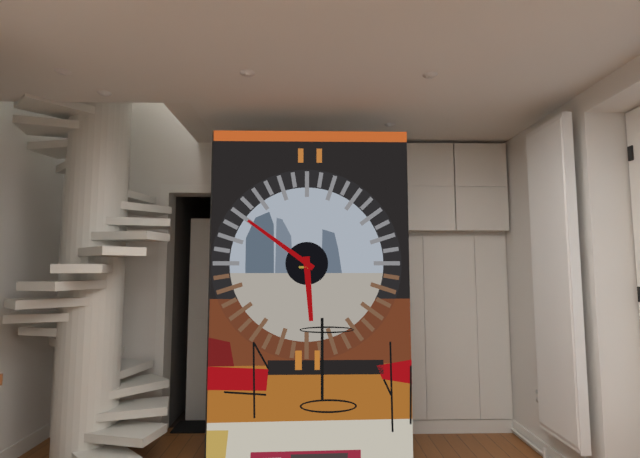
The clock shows 5.51
